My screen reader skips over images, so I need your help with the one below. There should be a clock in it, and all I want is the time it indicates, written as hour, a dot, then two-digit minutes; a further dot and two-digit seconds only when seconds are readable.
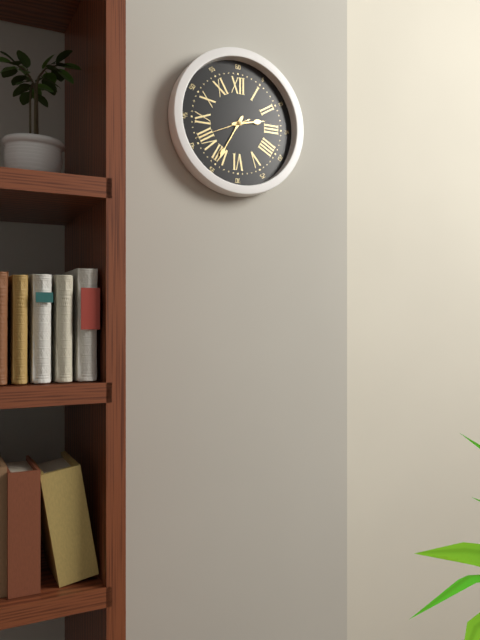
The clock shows 2.35.41
